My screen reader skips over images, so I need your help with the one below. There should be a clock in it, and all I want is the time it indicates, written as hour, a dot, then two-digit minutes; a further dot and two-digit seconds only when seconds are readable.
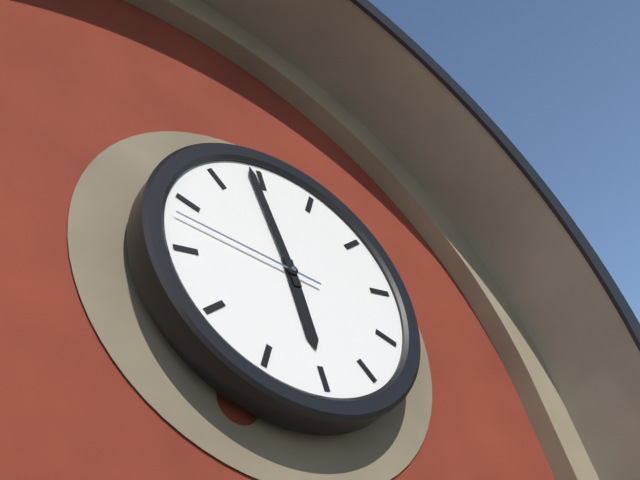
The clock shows 5.59.48
